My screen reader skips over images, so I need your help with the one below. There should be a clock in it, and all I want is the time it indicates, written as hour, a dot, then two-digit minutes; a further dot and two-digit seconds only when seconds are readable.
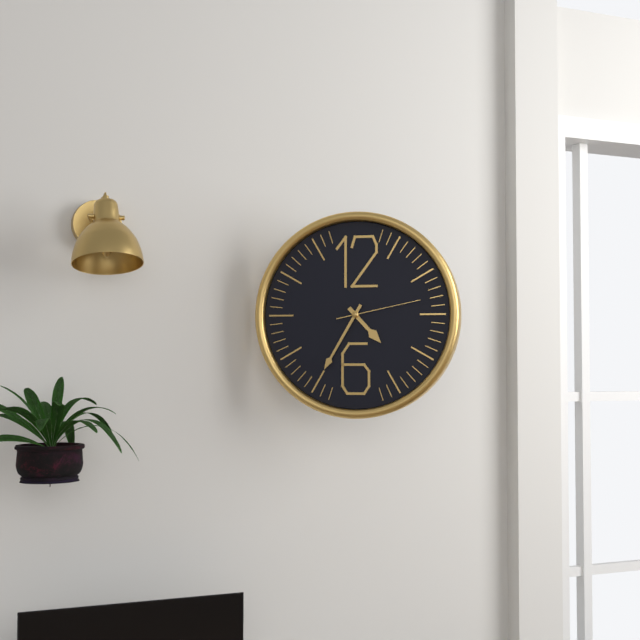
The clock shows 4.35.13
